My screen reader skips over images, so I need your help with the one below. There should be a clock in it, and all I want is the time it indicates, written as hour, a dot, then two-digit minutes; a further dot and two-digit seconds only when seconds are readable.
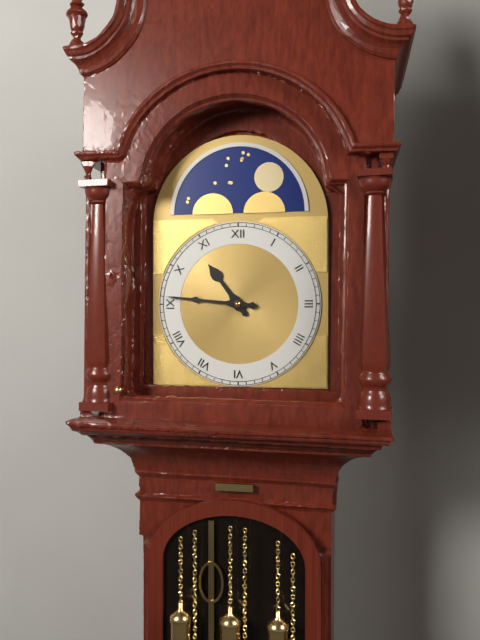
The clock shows 10.46
